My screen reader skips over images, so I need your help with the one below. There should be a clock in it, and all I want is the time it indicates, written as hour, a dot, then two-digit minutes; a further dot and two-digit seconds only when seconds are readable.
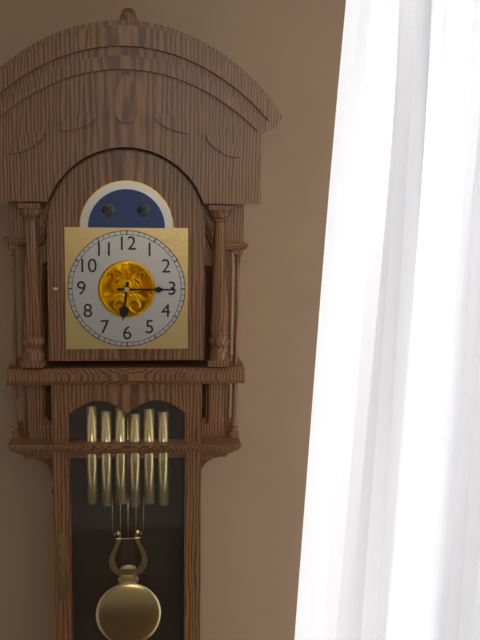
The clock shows 6.15
